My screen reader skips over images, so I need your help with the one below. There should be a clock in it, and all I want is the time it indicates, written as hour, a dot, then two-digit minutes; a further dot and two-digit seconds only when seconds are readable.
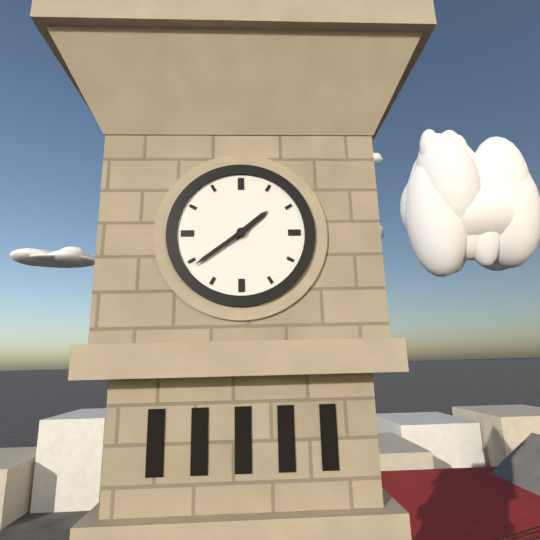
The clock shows 1.39
